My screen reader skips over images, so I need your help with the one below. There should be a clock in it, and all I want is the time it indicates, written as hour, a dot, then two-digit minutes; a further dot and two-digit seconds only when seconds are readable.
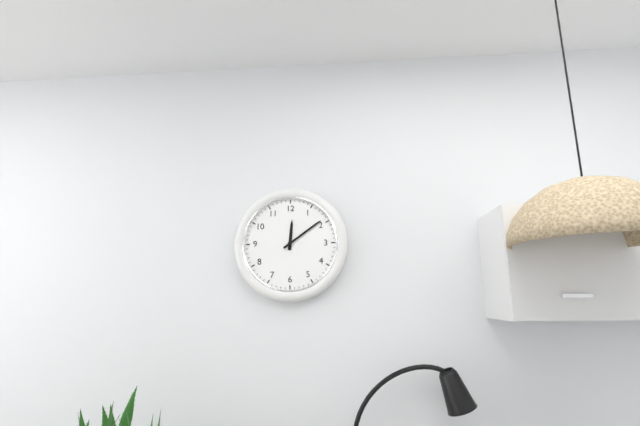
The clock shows 12.09
